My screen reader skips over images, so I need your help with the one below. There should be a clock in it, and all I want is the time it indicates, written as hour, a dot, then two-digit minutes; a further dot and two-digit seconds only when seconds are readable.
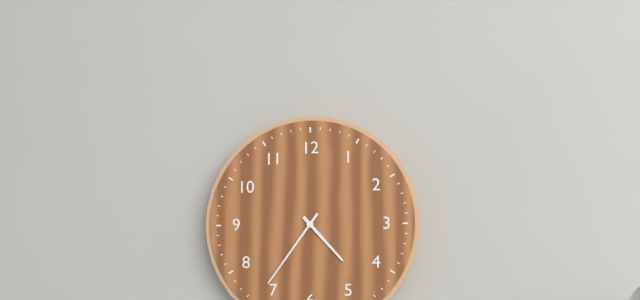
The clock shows 4.36
